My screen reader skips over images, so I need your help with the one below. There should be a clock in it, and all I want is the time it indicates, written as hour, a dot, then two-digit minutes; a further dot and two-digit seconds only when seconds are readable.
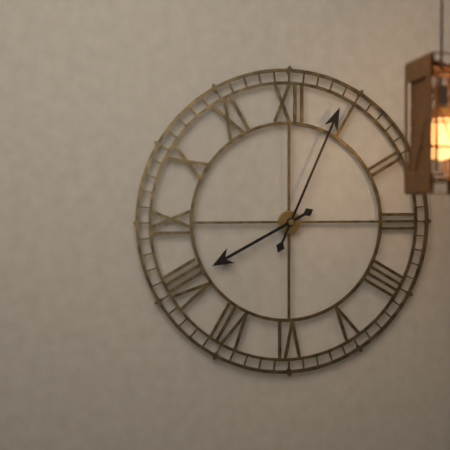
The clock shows 8.04
